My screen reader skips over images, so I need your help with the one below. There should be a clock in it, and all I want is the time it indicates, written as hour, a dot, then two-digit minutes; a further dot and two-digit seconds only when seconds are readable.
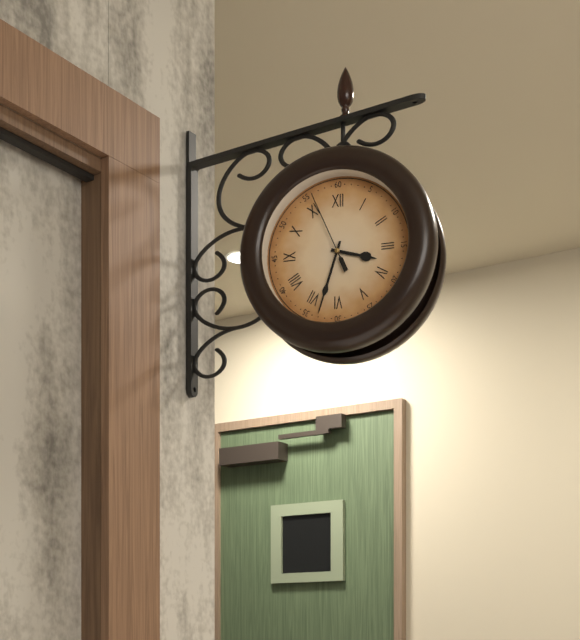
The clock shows 3.33.56
